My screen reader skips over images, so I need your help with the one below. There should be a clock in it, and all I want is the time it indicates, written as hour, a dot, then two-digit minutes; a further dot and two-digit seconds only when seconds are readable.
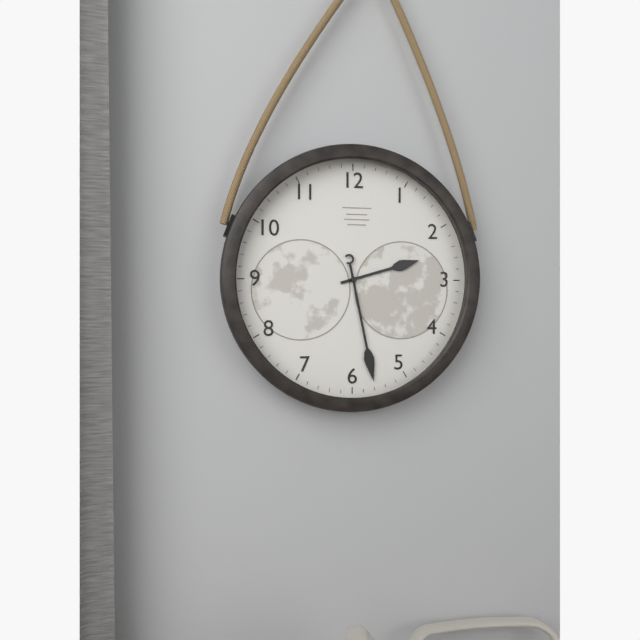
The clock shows 2.28
